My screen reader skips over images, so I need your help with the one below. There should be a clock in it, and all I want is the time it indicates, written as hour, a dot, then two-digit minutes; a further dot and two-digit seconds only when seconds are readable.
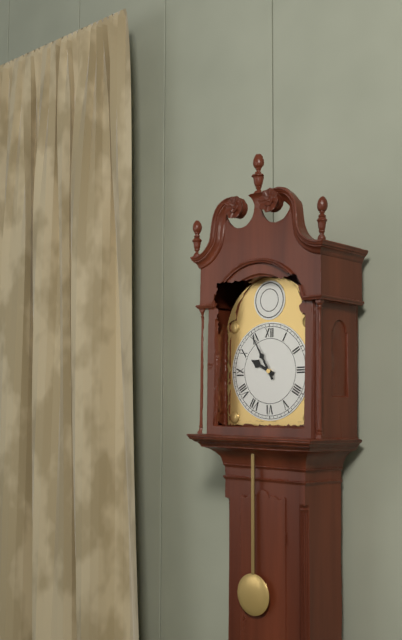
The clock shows 9.55
